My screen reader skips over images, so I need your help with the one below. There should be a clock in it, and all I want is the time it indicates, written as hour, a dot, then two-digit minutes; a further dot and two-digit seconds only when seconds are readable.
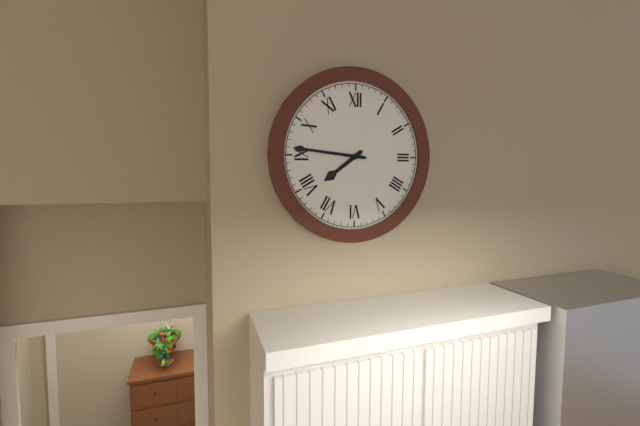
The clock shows 7.46
